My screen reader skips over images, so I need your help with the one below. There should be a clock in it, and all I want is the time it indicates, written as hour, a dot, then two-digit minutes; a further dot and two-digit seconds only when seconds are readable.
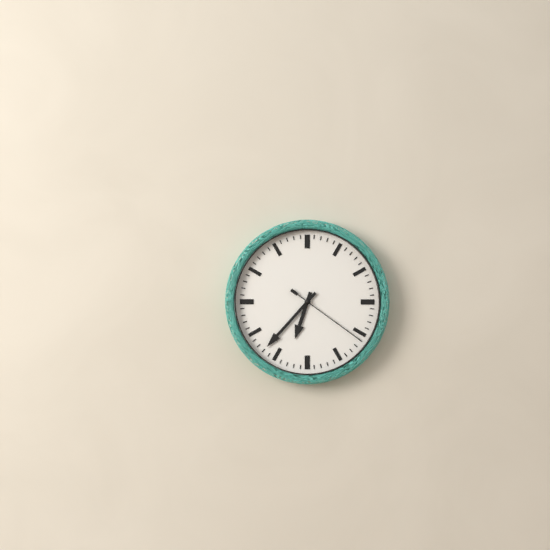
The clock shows 6.37.21
